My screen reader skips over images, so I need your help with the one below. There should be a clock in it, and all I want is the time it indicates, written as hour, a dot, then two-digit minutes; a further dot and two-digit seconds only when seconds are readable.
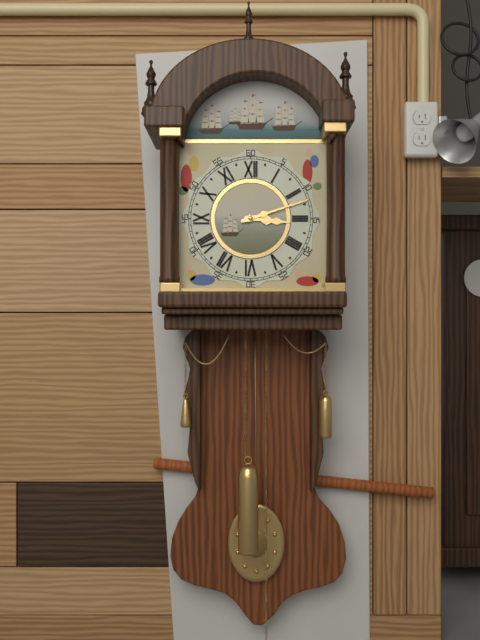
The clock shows 3.12
